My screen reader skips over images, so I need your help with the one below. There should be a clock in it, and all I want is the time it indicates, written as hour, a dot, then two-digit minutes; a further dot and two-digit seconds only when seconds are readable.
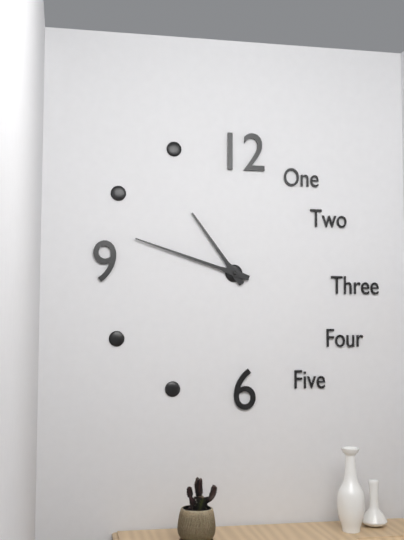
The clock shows 10.48
